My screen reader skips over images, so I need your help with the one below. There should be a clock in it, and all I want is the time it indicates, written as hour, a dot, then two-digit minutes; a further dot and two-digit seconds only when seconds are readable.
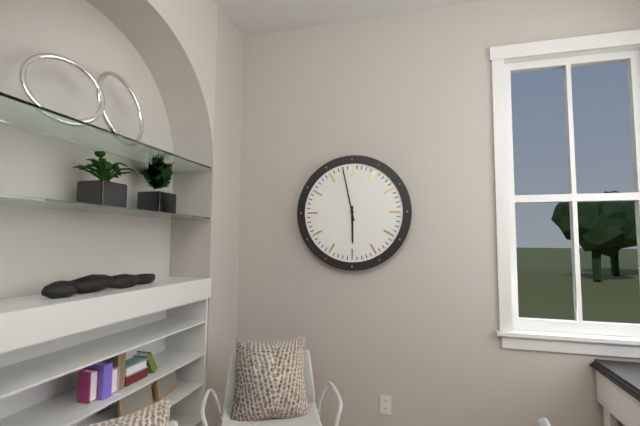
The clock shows 5.58
